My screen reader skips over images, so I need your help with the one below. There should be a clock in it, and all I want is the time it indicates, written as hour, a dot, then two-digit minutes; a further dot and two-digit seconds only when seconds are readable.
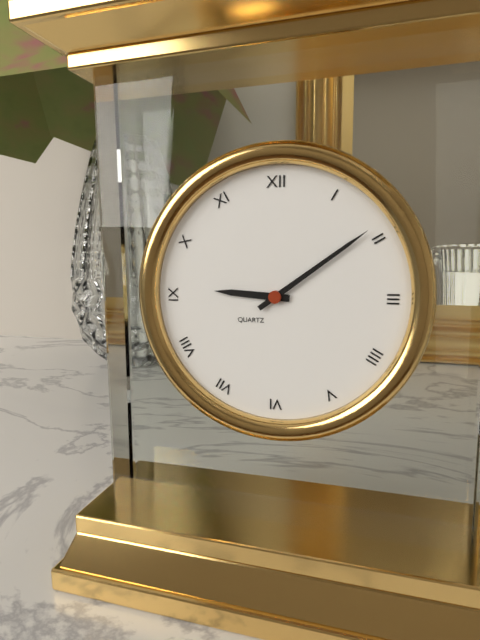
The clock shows 9.09
